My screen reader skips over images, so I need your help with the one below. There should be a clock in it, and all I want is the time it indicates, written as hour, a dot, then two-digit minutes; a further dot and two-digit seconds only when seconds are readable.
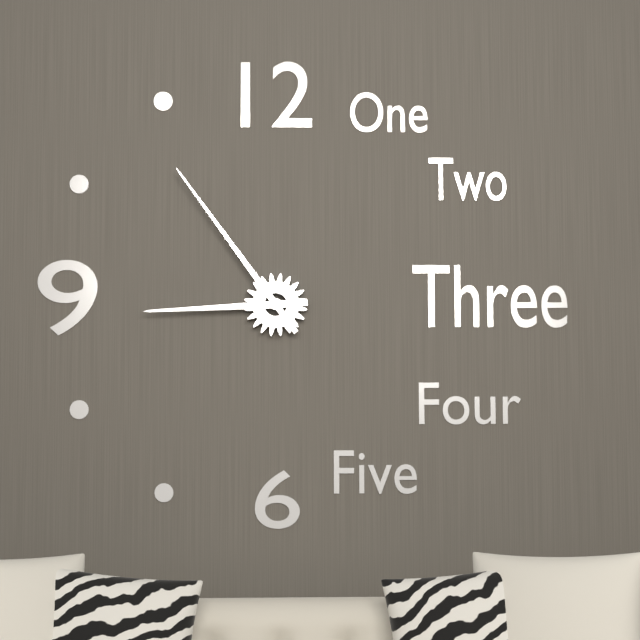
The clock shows 8.54
